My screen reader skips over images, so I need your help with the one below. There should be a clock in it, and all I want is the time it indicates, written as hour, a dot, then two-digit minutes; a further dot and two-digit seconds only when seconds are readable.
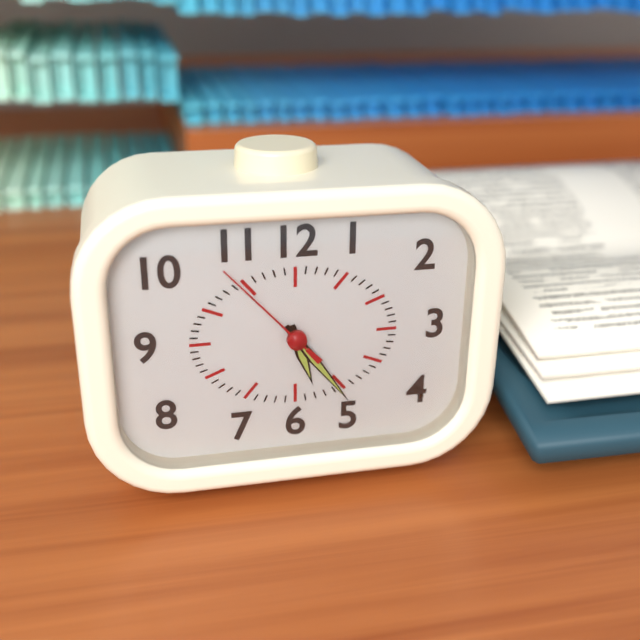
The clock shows 5.24.53
